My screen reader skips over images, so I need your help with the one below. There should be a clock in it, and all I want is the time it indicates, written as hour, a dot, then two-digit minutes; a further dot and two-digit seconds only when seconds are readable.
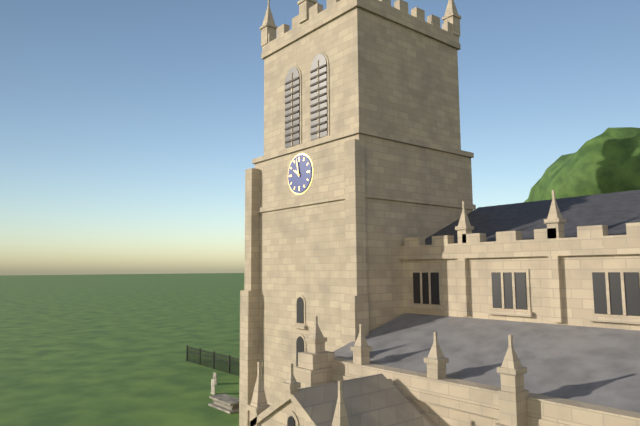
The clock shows 9.58
